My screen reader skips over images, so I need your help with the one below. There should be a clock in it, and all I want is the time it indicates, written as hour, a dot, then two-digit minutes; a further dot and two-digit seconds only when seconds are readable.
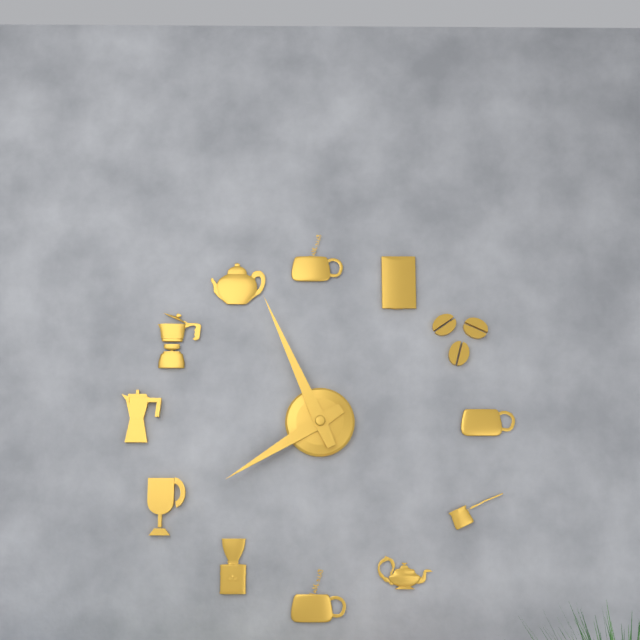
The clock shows 7.56
